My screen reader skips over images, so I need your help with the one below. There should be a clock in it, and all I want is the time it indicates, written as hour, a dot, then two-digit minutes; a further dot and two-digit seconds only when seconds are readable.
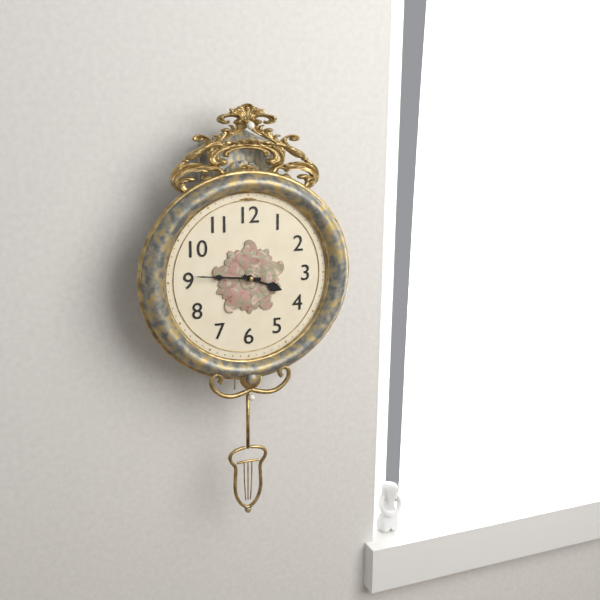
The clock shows 3.46
